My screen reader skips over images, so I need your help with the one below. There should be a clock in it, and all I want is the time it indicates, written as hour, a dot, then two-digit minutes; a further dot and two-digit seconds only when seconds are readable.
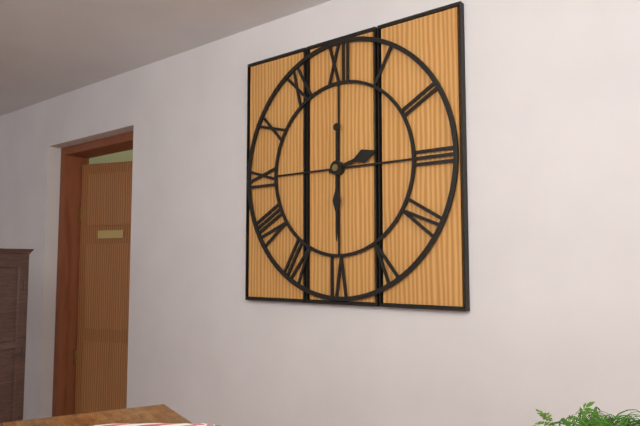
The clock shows 2.30
